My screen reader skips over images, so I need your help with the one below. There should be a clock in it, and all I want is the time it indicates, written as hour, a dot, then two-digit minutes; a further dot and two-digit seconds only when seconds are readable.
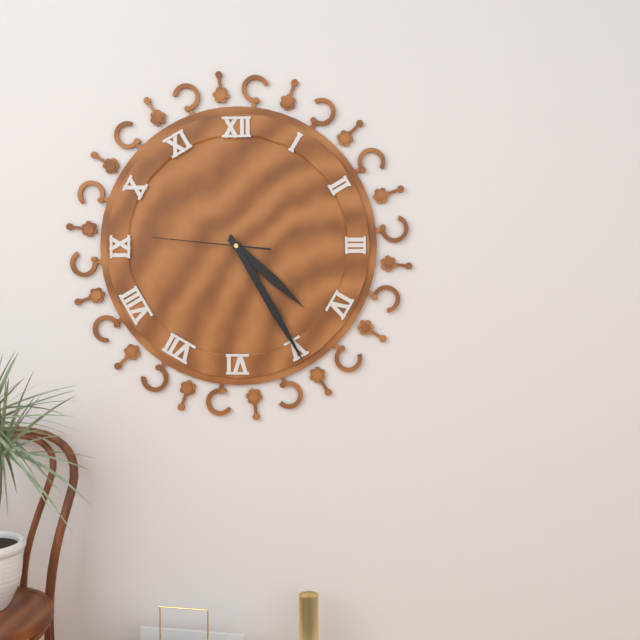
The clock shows 4.25.46
